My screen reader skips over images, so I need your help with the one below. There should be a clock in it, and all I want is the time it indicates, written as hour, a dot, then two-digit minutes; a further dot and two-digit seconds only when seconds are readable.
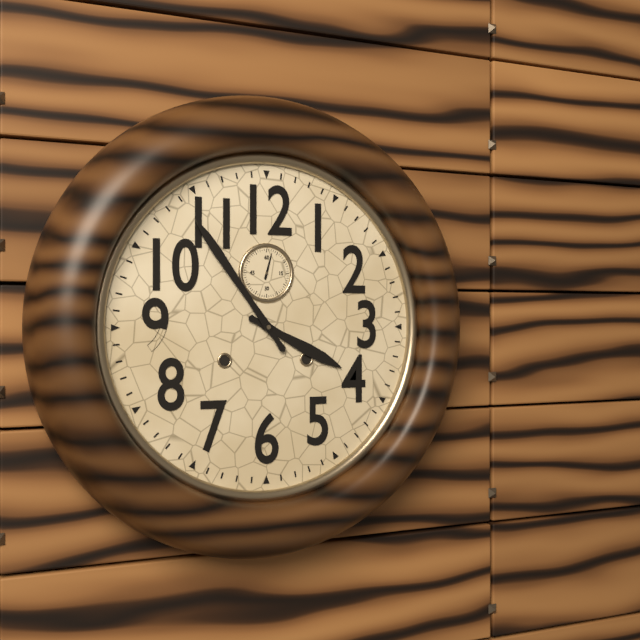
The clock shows 3.54
